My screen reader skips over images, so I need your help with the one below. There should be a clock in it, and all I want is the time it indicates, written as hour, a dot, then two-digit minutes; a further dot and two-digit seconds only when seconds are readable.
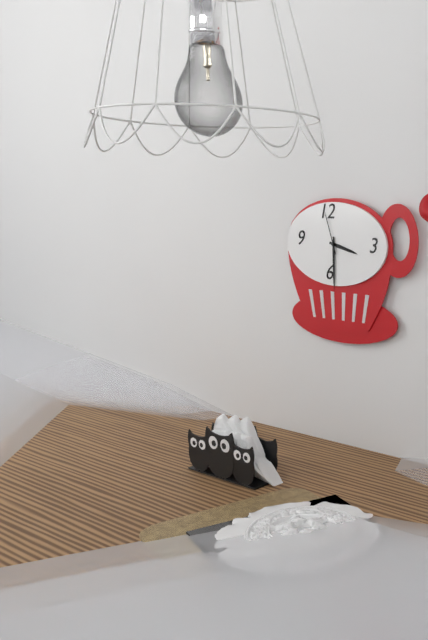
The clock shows 3.30
